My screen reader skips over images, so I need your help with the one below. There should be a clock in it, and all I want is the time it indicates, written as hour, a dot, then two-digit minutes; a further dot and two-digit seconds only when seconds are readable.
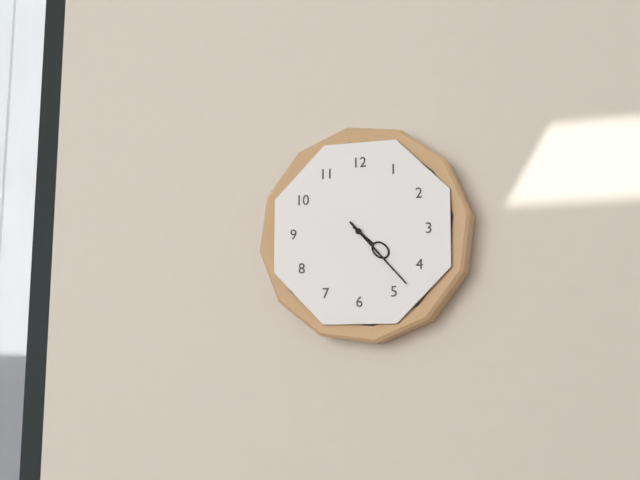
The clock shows 4.23
